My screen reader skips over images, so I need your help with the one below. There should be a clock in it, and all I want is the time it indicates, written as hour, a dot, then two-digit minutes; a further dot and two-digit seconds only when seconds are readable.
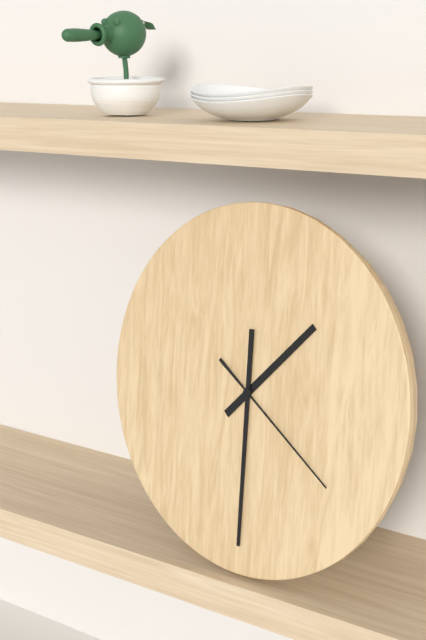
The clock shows 1.30.21
